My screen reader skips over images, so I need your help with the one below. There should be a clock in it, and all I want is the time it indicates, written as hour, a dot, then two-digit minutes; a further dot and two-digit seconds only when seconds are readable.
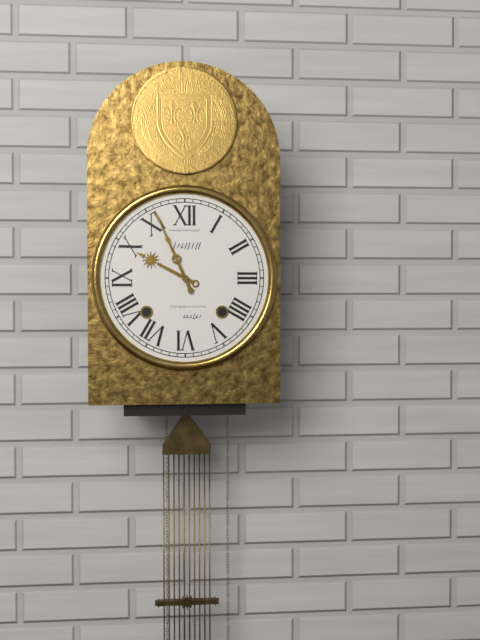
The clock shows 9.56
